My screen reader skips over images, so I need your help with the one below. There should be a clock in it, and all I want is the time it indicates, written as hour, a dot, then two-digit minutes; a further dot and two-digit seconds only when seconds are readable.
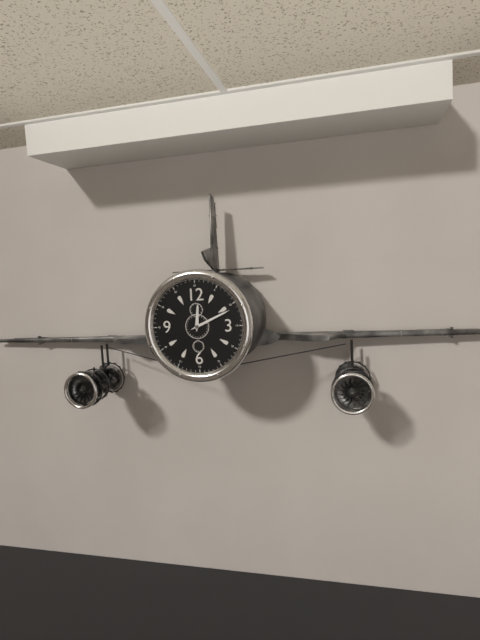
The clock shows 12.11
